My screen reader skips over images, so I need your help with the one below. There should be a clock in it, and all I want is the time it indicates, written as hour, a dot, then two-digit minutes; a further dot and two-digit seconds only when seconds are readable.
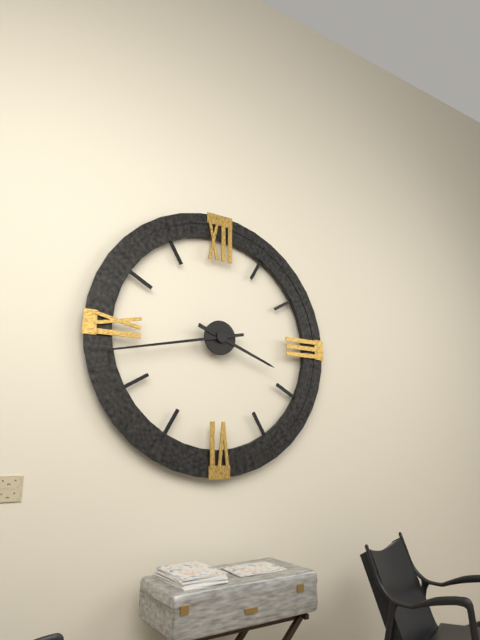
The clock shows 3.43
